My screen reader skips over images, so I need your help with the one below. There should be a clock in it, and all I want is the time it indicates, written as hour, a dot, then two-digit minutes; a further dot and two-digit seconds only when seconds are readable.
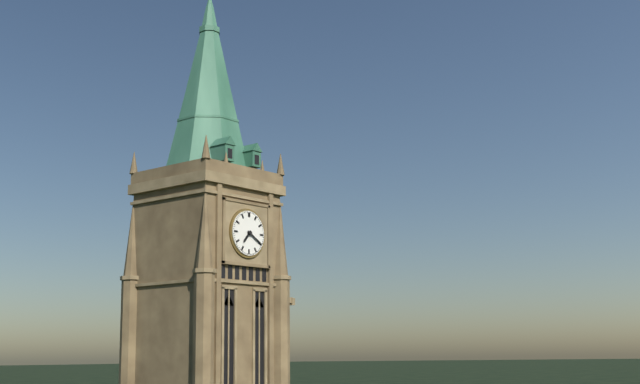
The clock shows 7.20
